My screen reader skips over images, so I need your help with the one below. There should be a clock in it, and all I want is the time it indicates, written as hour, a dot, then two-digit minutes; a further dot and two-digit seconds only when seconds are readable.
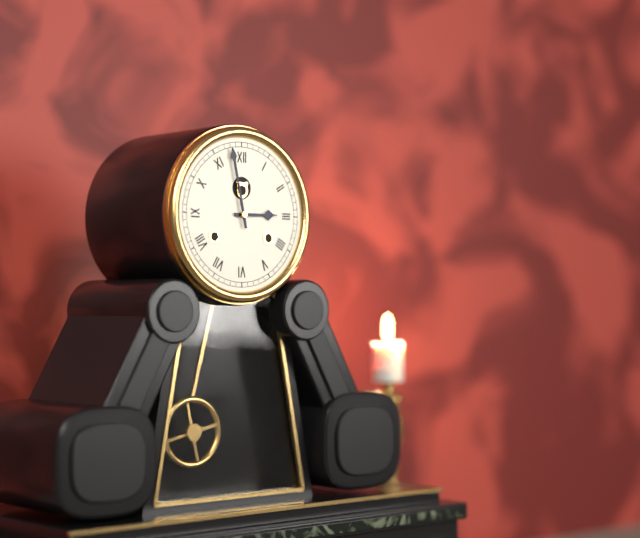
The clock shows 2.58
